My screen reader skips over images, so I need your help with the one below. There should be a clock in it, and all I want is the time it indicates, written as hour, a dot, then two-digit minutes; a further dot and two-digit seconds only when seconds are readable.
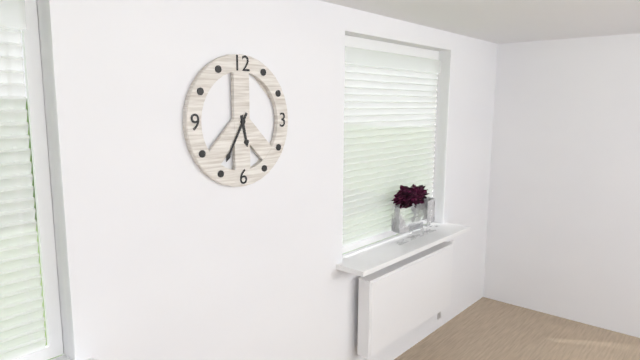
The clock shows 5.35
